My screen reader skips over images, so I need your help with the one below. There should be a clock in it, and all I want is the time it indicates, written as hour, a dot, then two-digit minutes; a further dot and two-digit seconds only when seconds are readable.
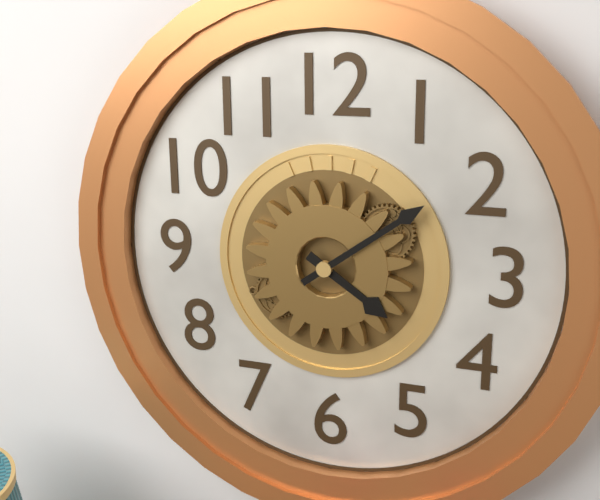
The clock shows 4.09
